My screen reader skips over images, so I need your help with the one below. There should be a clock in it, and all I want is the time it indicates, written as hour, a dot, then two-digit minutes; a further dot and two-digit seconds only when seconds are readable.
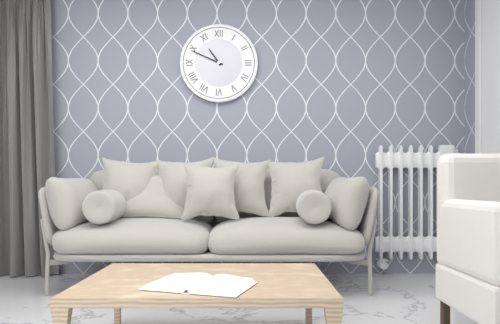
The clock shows 10.49
